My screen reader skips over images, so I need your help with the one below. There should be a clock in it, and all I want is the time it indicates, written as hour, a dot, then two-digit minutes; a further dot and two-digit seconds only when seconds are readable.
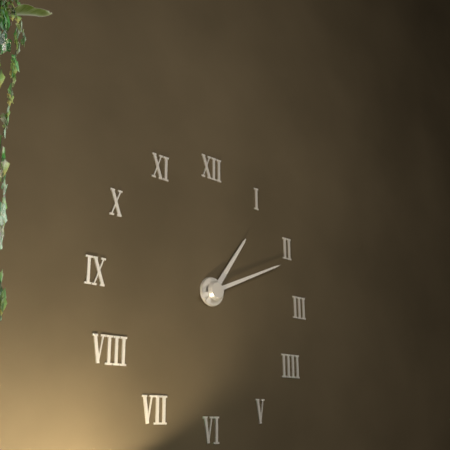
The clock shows 1.11
